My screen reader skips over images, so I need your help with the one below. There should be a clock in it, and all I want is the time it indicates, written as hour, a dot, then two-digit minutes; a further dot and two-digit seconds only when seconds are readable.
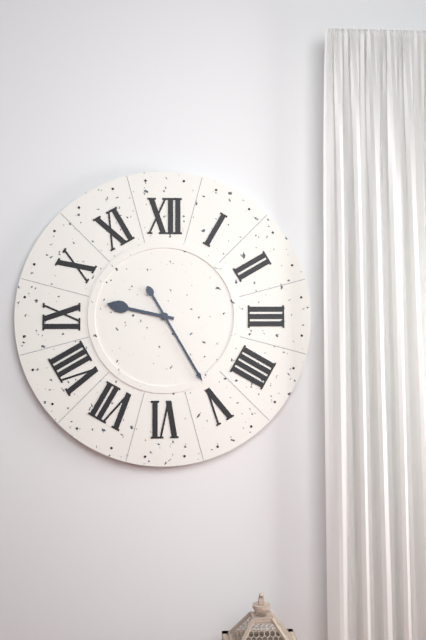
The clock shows 9.25
